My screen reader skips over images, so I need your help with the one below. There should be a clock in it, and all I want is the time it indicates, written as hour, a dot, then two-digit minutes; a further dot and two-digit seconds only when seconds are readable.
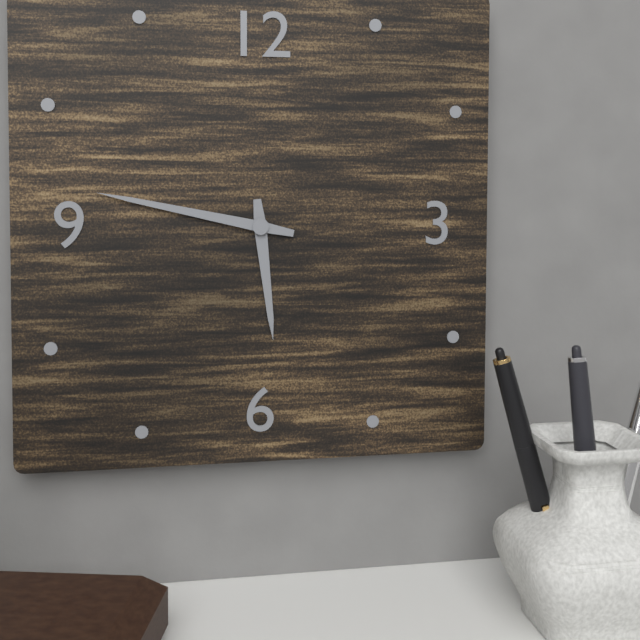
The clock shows 5.47
